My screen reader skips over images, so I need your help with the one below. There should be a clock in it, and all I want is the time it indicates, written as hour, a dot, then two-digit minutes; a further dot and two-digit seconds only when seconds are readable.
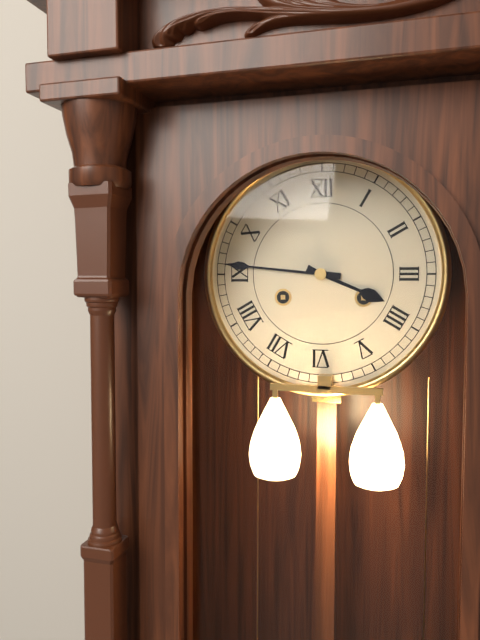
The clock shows 3.46
